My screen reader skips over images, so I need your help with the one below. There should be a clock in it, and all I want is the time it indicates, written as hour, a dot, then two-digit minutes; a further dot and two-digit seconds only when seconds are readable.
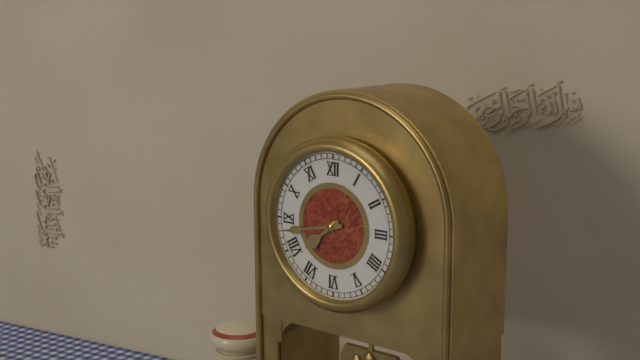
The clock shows 7.43
